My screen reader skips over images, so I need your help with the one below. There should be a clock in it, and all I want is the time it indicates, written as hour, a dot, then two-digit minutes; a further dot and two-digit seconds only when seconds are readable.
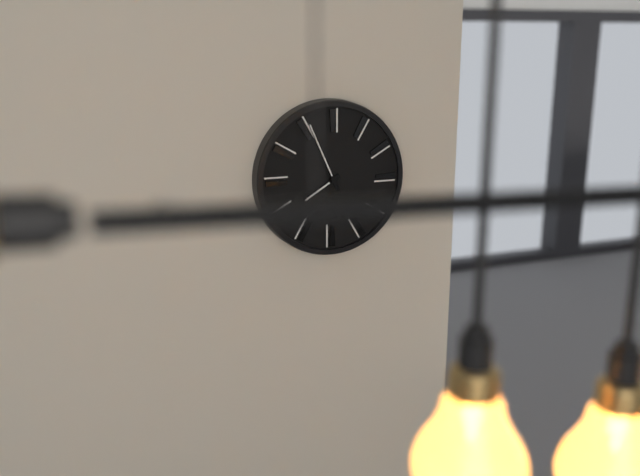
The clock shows 7.56
